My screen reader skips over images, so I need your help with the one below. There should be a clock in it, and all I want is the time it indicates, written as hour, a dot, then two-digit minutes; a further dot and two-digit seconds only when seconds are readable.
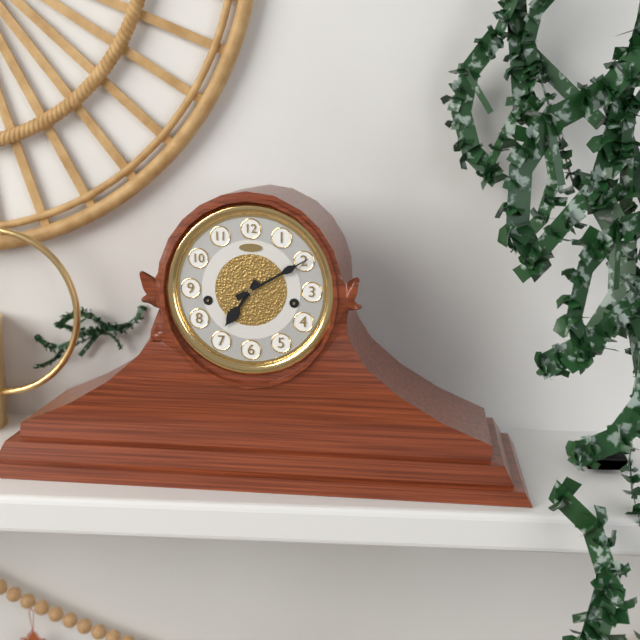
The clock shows 7.10
